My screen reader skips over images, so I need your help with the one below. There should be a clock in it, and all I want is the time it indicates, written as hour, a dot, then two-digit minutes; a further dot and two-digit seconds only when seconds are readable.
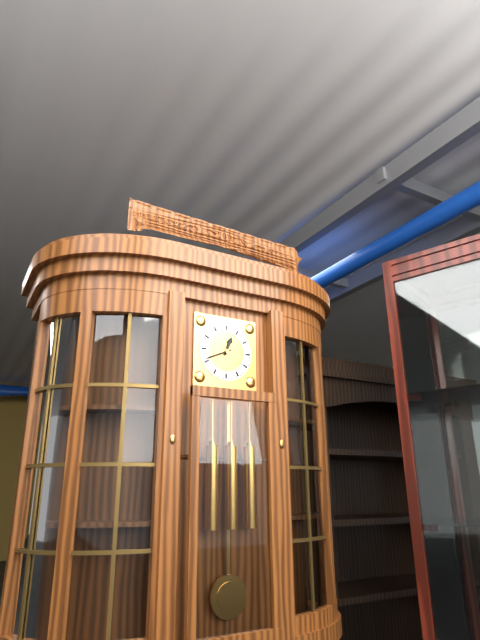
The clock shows 12.41
